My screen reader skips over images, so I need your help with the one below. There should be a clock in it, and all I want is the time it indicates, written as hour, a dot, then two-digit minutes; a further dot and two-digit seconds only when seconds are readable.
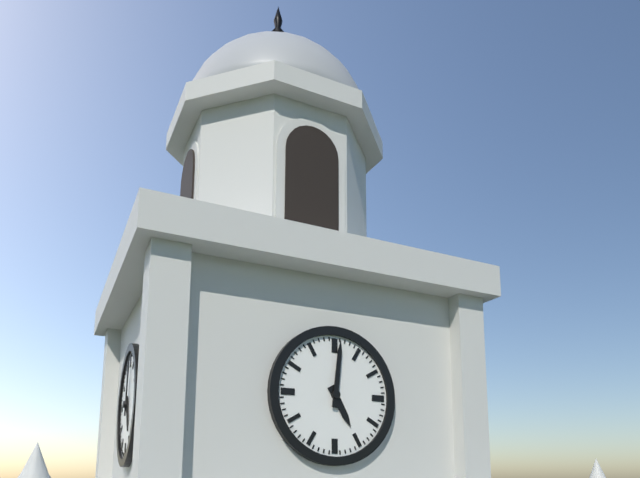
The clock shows 5.01
